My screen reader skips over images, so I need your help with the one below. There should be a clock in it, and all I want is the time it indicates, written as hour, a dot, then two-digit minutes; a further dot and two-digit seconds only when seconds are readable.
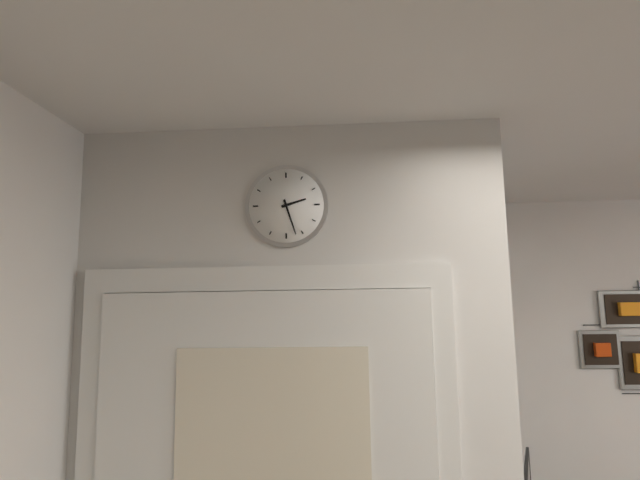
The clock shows 2.27
